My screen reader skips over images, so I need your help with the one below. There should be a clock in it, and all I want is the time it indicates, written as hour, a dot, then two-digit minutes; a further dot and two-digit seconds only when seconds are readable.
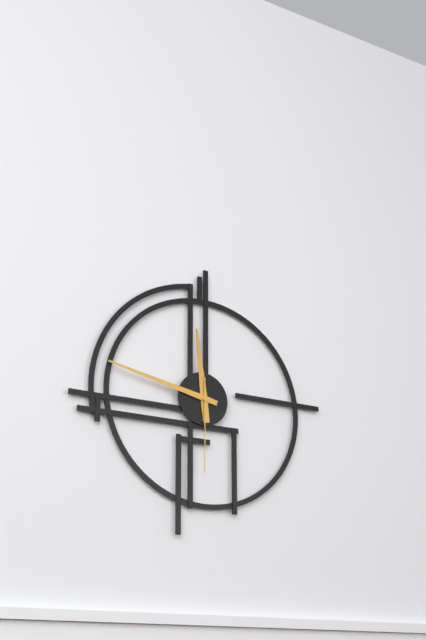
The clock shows 11.47.30
